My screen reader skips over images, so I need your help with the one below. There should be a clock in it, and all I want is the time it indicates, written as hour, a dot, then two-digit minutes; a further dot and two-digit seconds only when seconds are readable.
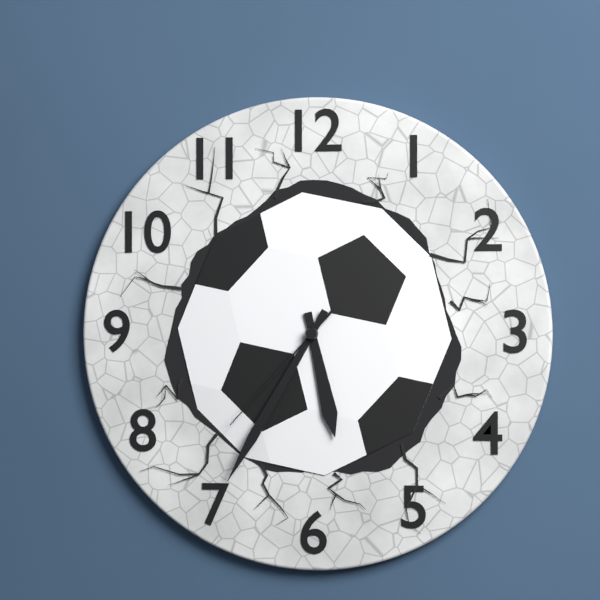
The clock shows 5.35.37
